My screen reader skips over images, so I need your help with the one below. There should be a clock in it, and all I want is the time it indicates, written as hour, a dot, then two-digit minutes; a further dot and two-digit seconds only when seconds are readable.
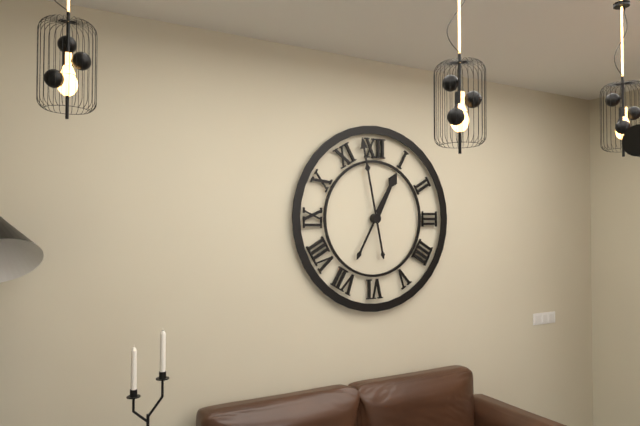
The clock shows 12.58
